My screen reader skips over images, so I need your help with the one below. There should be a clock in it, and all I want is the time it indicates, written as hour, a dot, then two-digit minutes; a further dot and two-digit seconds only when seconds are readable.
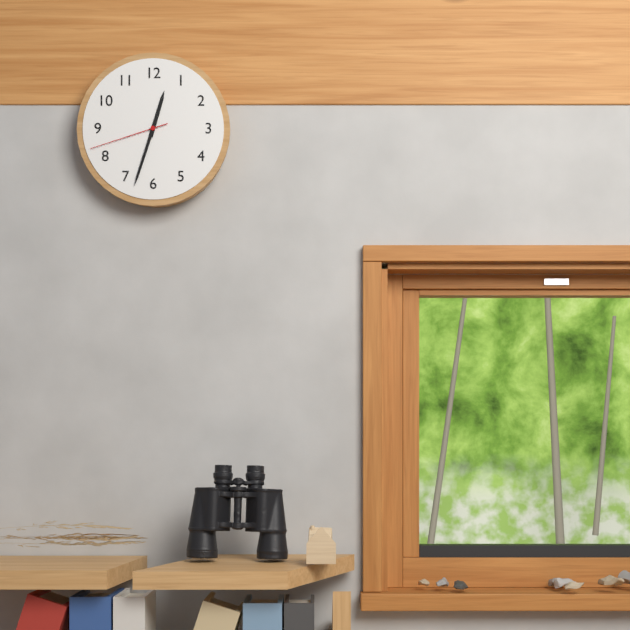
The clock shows 12.33.42
